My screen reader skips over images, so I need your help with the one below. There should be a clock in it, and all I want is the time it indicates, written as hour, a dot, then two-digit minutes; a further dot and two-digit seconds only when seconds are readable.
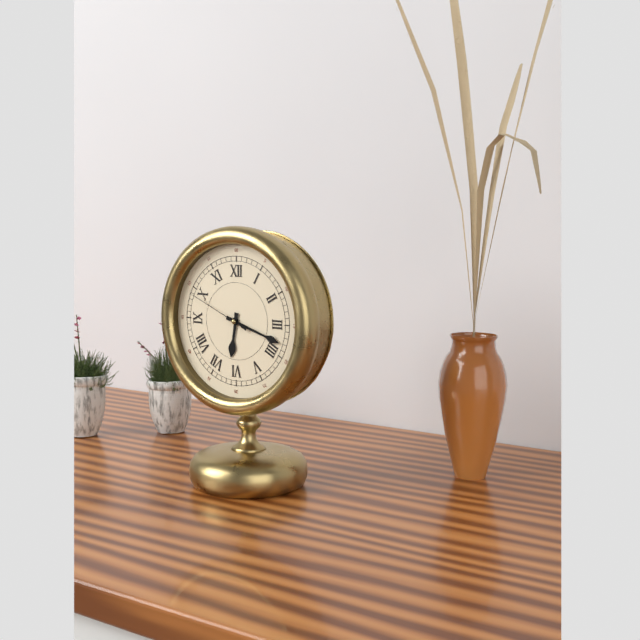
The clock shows 6.18.49
